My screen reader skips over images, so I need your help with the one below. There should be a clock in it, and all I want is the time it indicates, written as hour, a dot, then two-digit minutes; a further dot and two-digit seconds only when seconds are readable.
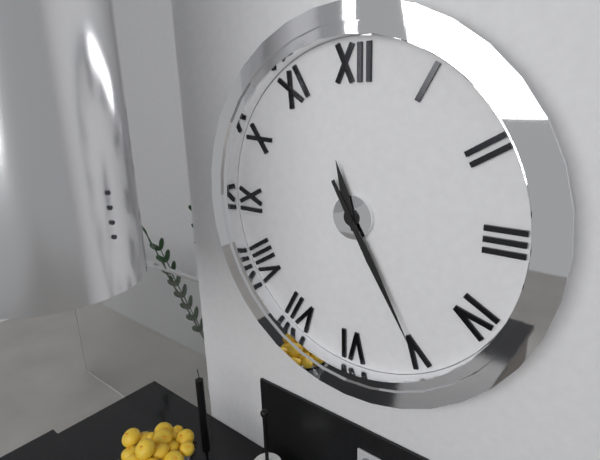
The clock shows 11.25
